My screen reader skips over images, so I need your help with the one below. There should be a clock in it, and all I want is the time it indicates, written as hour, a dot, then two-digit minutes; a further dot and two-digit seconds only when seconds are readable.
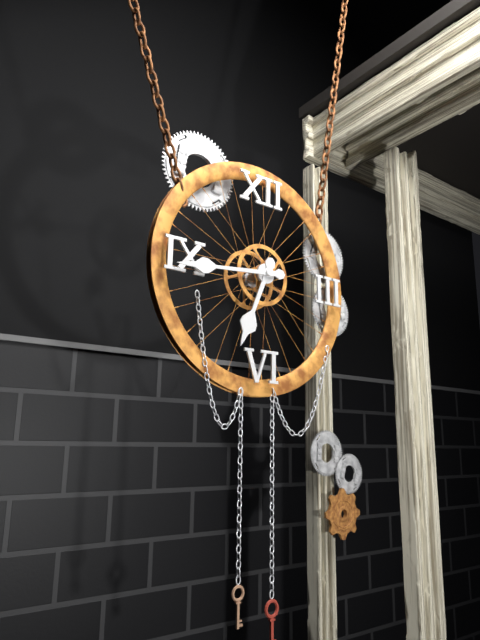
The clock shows 6.44
